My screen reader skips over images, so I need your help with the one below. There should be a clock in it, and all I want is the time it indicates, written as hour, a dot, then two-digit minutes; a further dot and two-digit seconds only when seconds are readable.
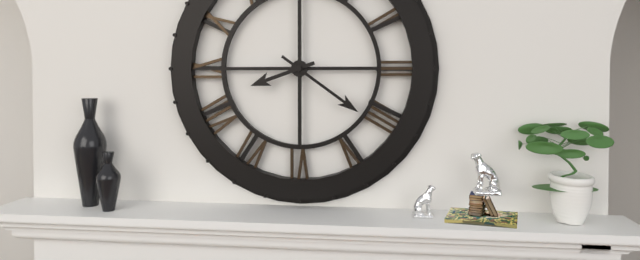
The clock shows 8.21
